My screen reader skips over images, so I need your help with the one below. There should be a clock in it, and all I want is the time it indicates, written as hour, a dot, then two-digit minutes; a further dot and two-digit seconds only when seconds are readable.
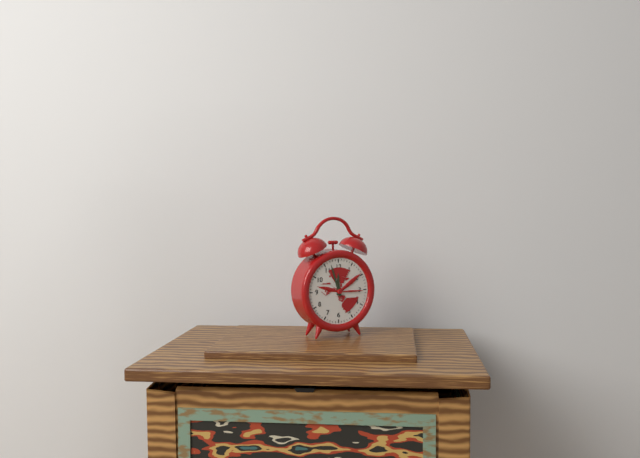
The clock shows 11.57
